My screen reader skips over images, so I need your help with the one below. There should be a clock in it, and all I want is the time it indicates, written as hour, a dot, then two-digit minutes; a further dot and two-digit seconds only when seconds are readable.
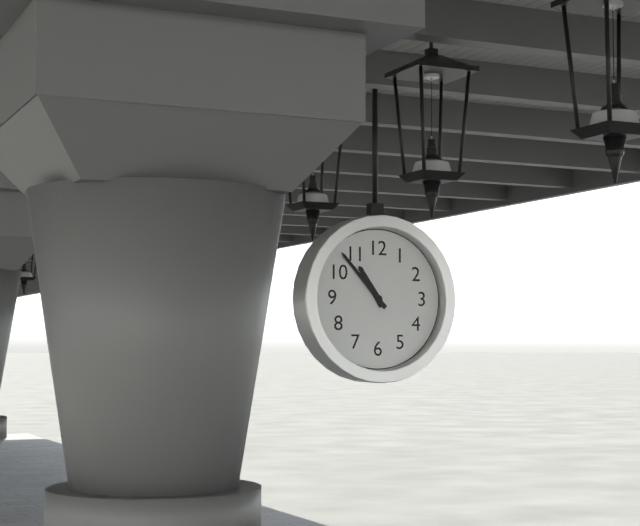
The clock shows 10.53
